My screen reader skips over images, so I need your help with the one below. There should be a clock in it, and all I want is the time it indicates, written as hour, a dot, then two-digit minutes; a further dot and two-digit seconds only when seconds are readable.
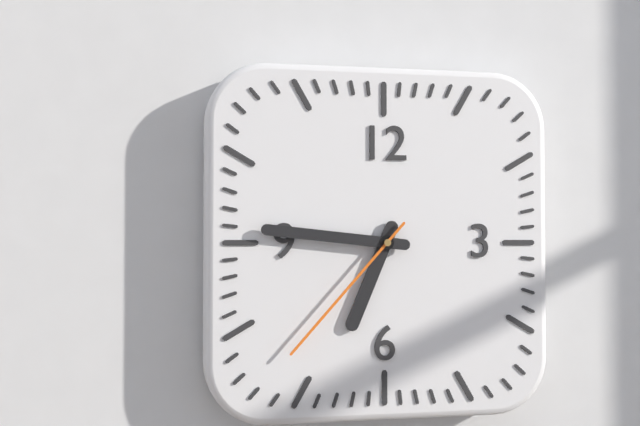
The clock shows 6.46.37
